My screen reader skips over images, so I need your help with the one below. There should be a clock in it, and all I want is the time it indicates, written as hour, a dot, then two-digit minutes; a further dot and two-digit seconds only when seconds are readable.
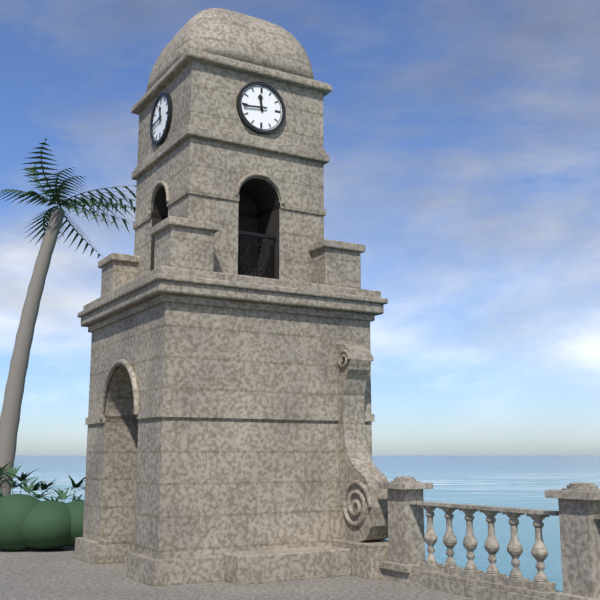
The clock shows 11.44
